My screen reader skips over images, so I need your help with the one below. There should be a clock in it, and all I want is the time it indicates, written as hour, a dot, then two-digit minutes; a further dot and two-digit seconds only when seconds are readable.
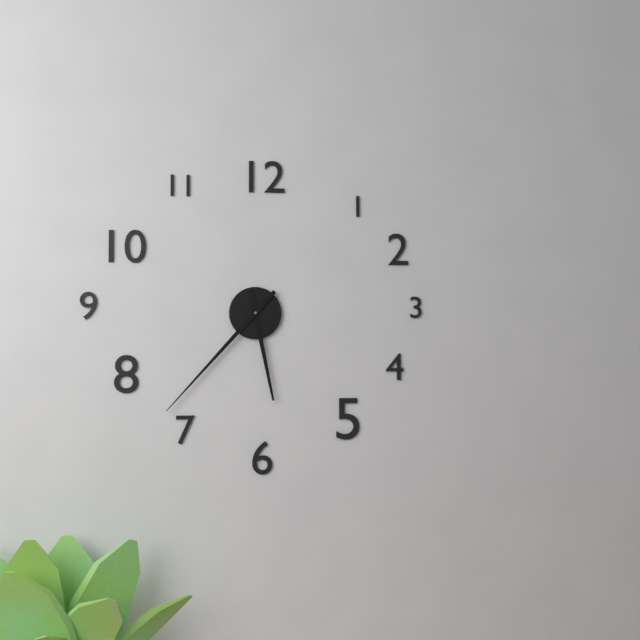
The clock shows 5.37
